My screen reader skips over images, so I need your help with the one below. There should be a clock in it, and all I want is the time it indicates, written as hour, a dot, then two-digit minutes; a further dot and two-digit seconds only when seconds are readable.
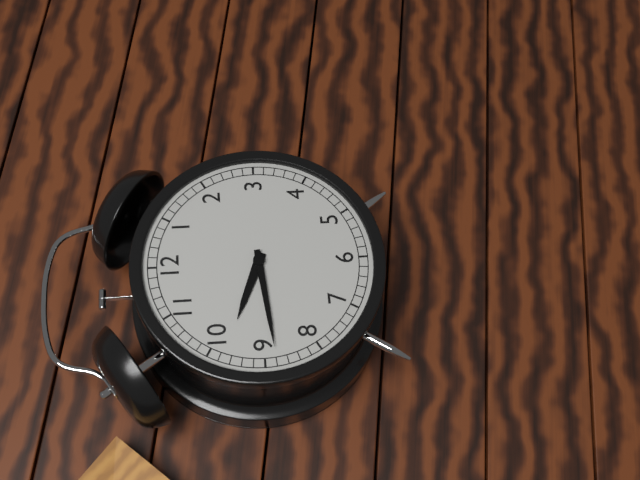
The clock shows 9.44
